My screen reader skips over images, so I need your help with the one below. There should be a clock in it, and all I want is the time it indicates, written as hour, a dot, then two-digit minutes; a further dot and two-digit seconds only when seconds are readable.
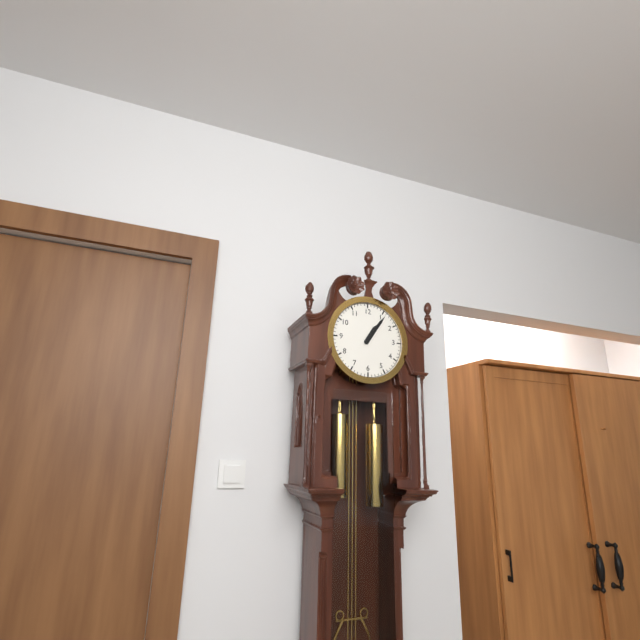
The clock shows 1.06
